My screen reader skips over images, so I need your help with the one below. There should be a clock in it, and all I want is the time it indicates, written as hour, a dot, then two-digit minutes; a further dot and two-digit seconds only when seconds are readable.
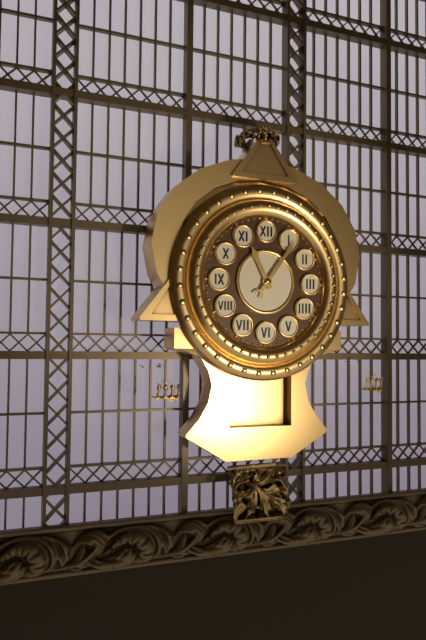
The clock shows 11.06
